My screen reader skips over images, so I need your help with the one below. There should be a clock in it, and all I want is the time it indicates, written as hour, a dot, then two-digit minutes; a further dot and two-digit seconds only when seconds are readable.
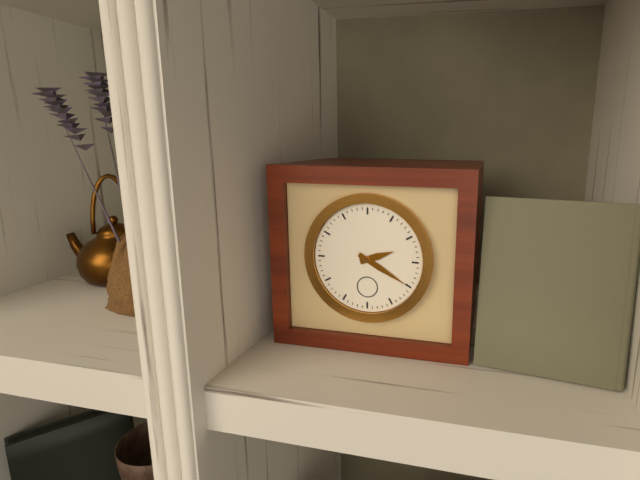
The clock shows 2.20
